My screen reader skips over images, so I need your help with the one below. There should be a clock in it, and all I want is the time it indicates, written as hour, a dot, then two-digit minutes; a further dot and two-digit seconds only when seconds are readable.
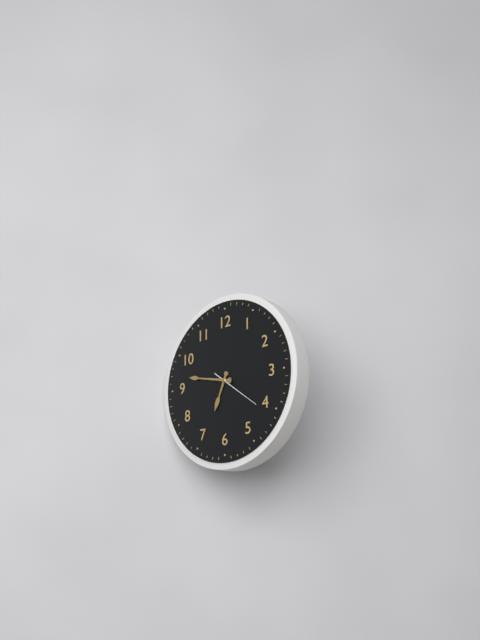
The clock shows 6.47.21
